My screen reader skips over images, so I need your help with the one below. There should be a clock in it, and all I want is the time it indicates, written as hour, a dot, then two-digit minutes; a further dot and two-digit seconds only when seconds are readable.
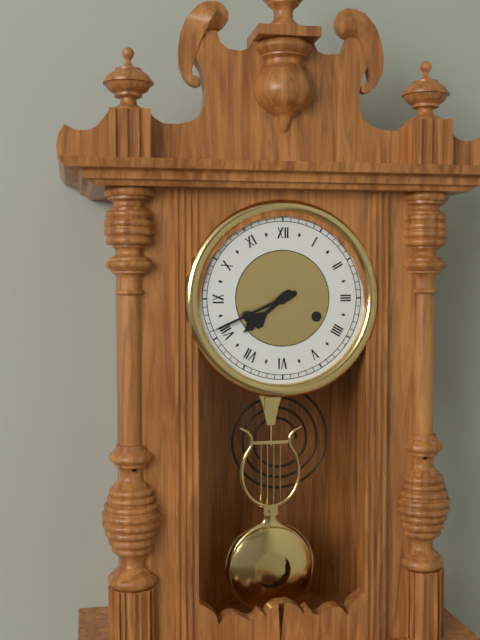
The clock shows 7.41
